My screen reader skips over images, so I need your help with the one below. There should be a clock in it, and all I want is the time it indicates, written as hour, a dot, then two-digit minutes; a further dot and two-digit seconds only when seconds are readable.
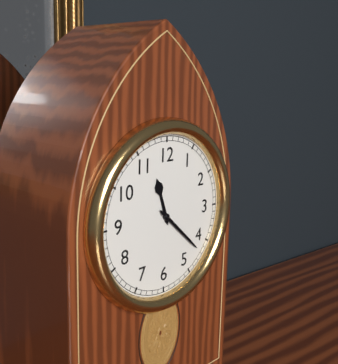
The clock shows 11.22
